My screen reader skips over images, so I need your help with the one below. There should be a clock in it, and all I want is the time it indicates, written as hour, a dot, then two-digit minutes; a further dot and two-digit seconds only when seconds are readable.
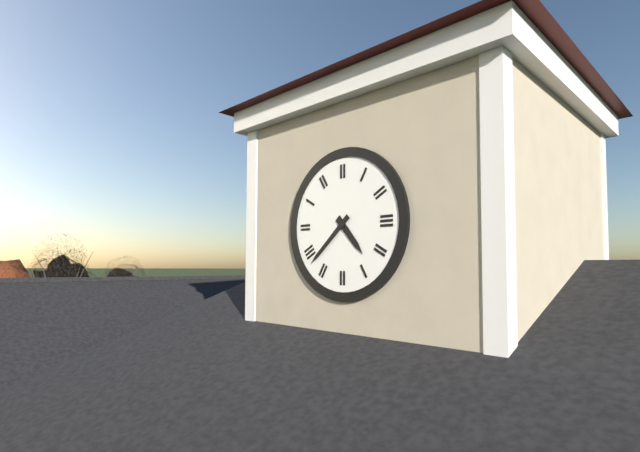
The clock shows 4.38
